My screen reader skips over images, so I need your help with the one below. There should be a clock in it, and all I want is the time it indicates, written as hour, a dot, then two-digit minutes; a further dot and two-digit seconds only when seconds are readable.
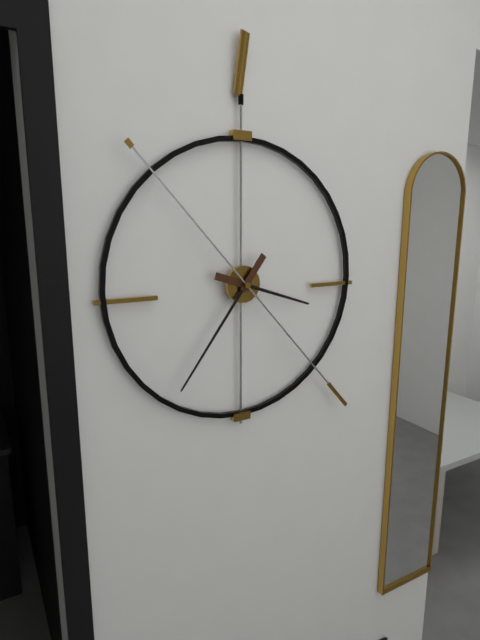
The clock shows 3.36.23
